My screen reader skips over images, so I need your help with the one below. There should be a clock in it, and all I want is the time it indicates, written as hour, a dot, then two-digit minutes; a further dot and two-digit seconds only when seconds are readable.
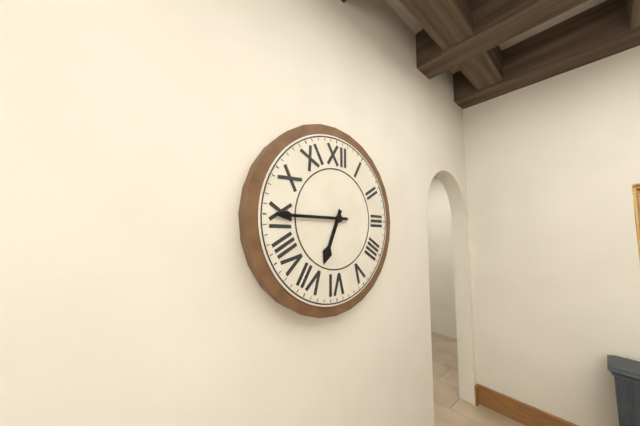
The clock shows 6.45
